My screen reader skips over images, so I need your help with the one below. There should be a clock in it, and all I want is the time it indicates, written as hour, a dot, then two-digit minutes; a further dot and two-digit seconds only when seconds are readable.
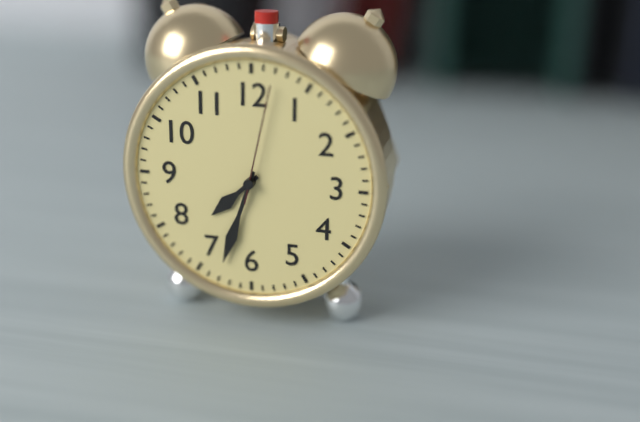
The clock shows 7.33.02
